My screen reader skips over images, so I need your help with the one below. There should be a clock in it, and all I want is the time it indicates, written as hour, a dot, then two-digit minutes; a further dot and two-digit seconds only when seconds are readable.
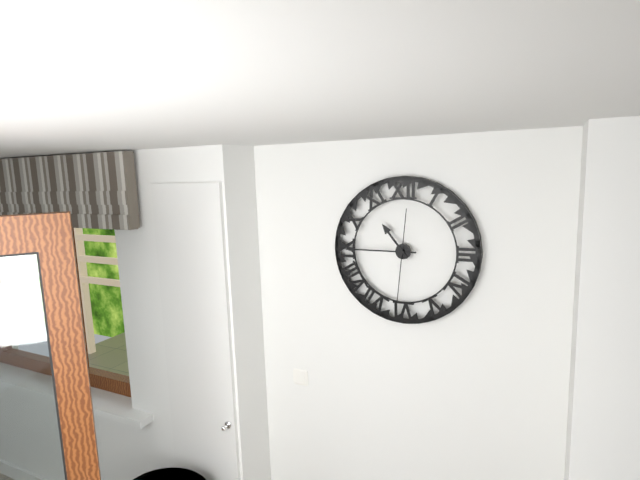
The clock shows 10.45.31
